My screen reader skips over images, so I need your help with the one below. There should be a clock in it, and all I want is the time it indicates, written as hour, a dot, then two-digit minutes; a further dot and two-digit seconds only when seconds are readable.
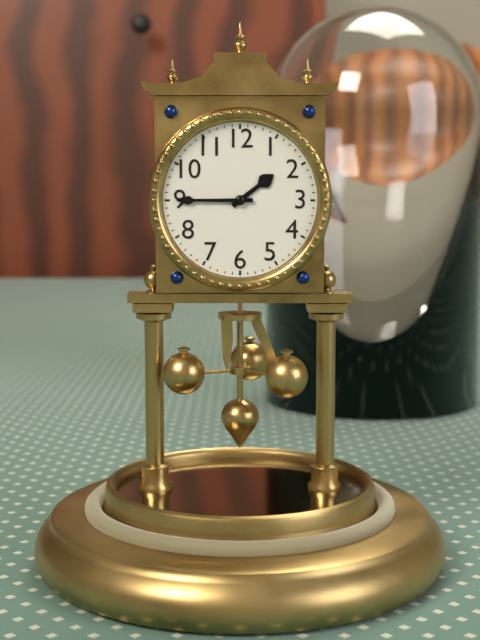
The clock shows 1.45
